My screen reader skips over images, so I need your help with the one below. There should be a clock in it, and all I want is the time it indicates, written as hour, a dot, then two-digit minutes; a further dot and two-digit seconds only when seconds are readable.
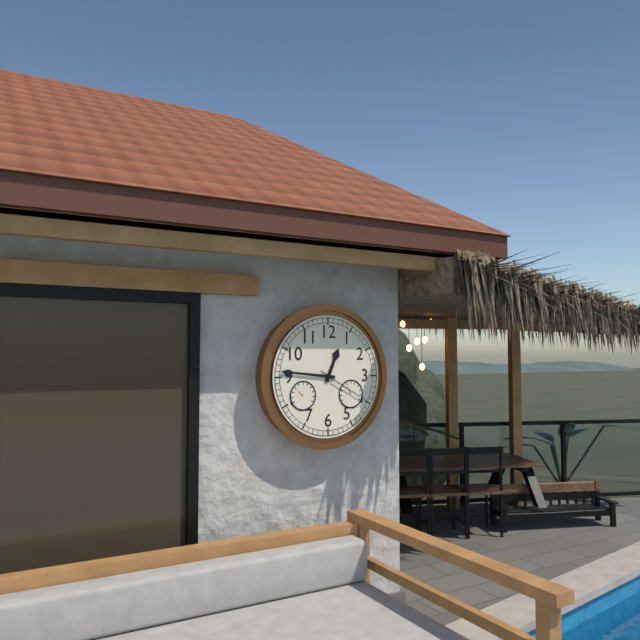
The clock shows 12.46.20
